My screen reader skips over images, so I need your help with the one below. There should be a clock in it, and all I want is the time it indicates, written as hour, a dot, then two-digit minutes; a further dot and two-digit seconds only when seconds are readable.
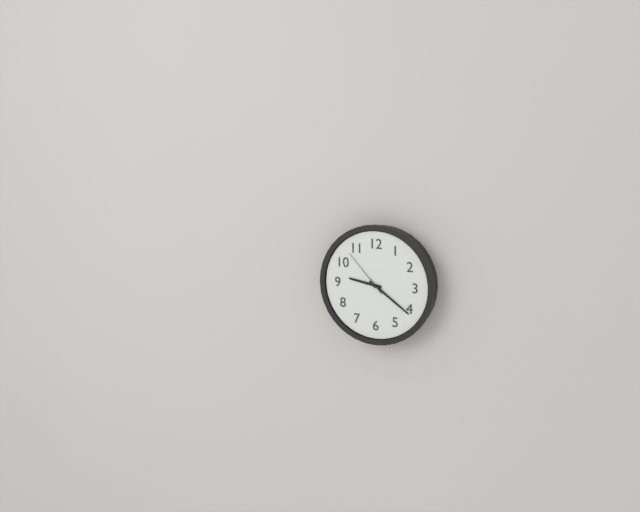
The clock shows 9.21.53
